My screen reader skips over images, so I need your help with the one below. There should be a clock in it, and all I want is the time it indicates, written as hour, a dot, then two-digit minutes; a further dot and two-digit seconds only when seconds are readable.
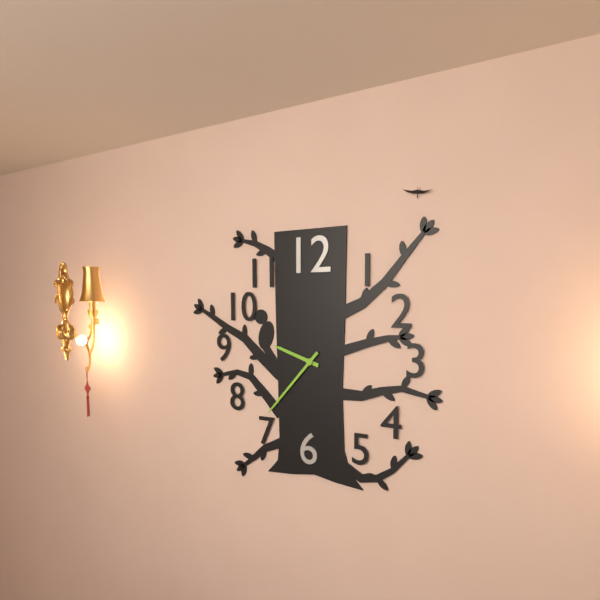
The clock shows 9.37
